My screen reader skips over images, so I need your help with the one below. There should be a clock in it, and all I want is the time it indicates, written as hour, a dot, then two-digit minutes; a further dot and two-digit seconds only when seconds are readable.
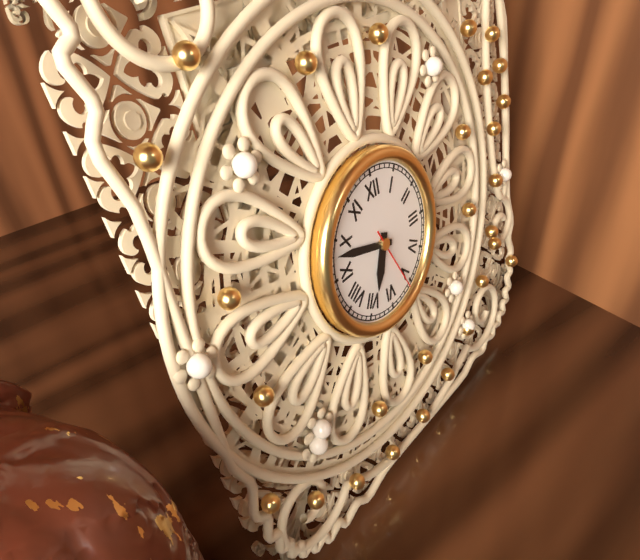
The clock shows 6.48.26
